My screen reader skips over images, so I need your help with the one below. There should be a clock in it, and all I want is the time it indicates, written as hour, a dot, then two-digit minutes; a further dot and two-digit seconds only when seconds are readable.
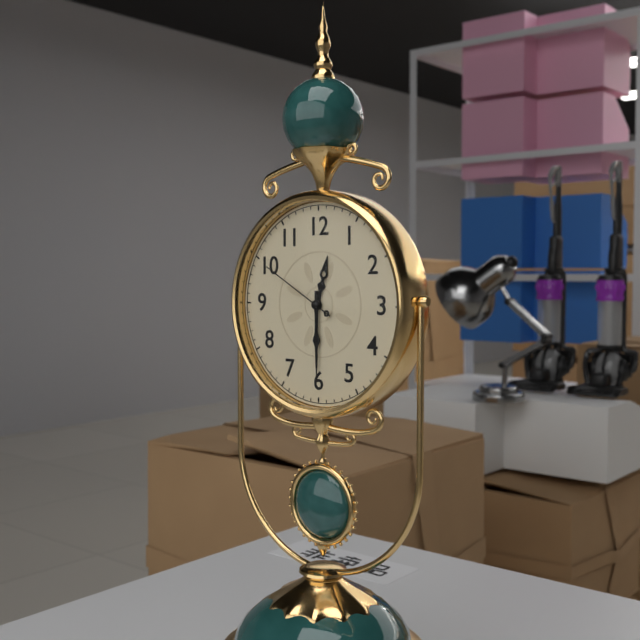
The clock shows 12.30.50
